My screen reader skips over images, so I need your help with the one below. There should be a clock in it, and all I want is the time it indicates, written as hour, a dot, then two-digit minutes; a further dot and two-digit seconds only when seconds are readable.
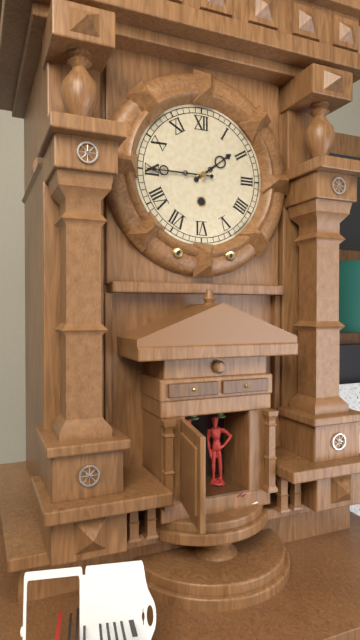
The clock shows 1.45
